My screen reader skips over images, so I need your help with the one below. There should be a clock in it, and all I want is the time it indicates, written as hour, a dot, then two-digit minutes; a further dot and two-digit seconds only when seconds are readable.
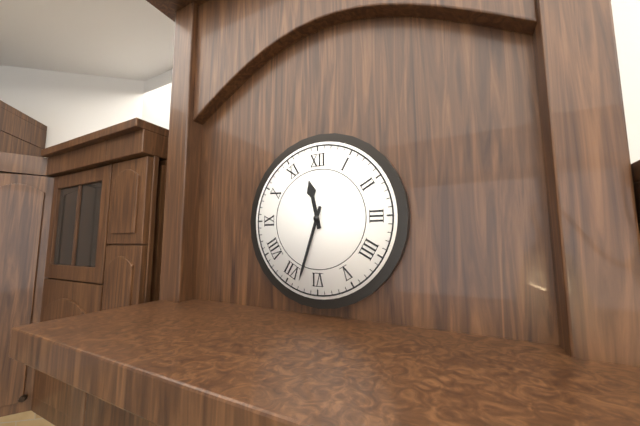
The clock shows 11.33
